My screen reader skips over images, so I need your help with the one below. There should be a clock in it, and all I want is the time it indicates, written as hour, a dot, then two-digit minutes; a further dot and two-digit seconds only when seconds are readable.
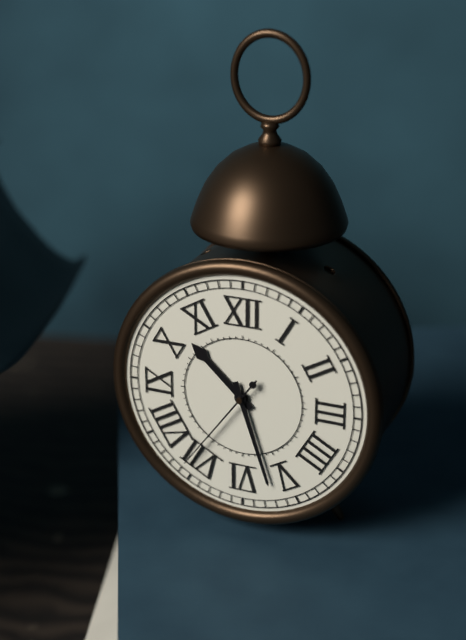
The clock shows 10.27.36
